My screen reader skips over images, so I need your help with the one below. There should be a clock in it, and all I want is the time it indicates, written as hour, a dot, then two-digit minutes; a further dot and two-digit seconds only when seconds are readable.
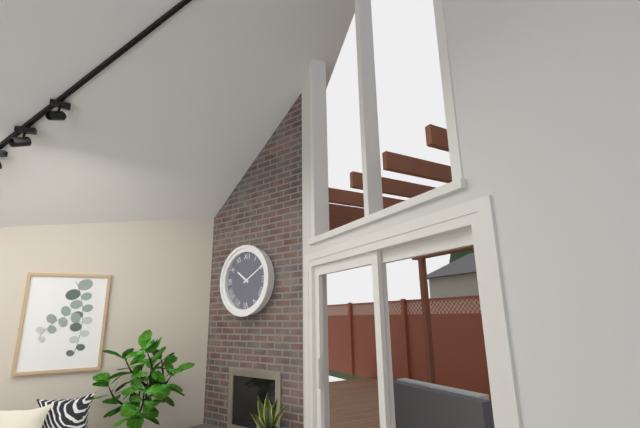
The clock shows 10.10
